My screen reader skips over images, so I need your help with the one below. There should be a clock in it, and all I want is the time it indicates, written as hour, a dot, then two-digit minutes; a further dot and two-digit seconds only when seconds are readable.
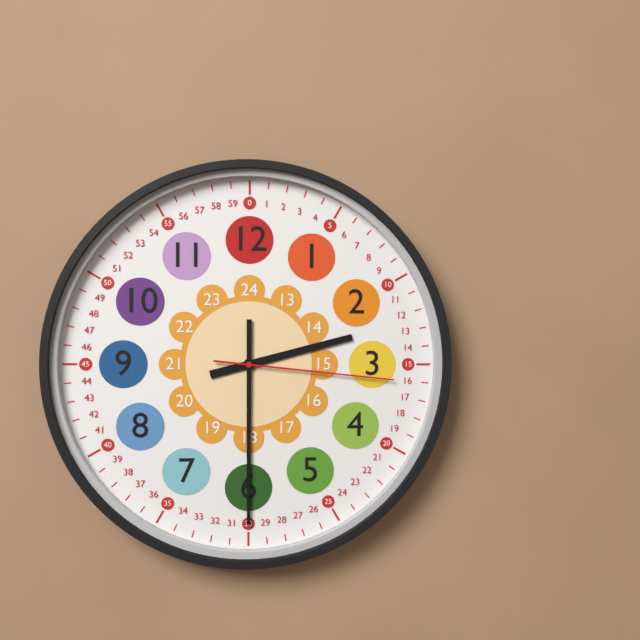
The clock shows 2.30.16
